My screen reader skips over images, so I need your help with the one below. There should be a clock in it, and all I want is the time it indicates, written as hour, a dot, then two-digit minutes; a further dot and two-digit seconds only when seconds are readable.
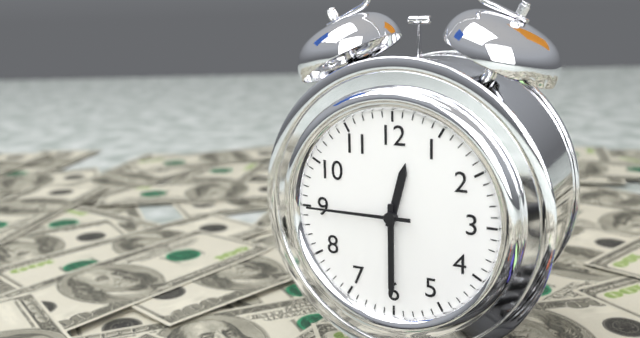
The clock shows 12.30.45
